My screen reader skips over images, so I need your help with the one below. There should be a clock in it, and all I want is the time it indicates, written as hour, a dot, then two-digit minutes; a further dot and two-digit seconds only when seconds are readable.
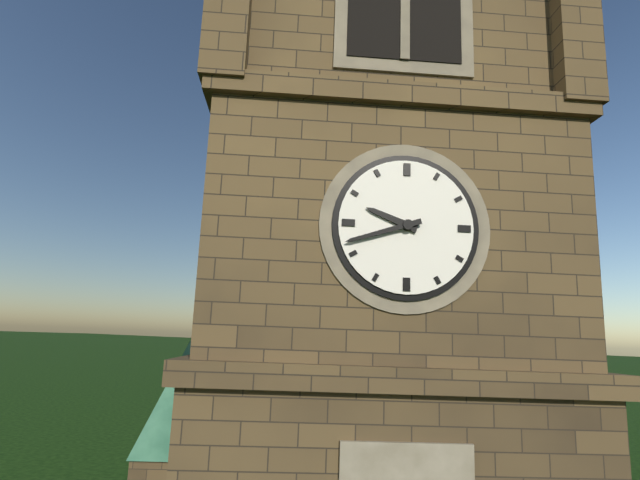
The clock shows 9.42
